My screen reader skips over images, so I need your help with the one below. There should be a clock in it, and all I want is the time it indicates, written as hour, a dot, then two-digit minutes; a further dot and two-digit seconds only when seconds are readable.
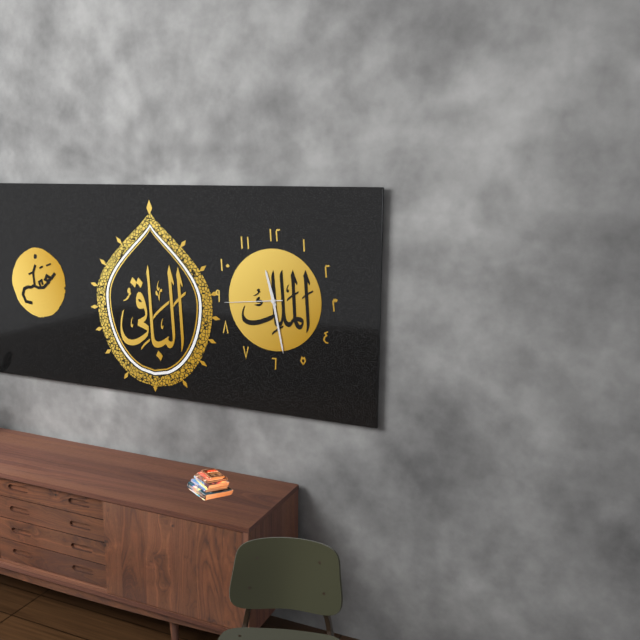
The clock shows 11.28.44
